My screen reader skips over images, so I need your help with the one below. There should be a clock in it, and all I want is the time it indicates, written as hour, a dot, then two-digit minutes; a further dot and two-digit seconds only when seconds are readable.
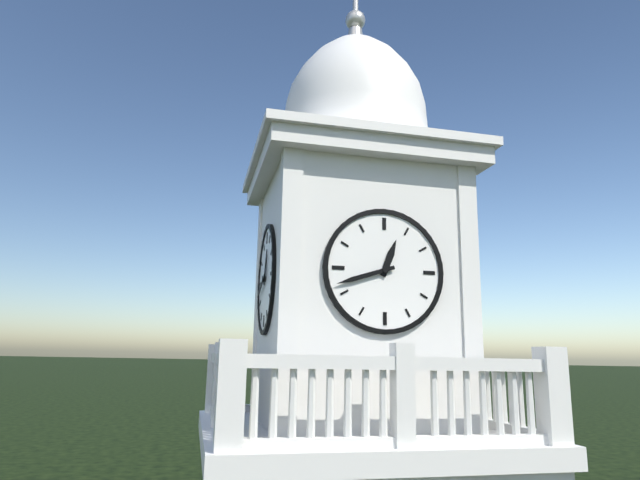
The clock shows 12.42
